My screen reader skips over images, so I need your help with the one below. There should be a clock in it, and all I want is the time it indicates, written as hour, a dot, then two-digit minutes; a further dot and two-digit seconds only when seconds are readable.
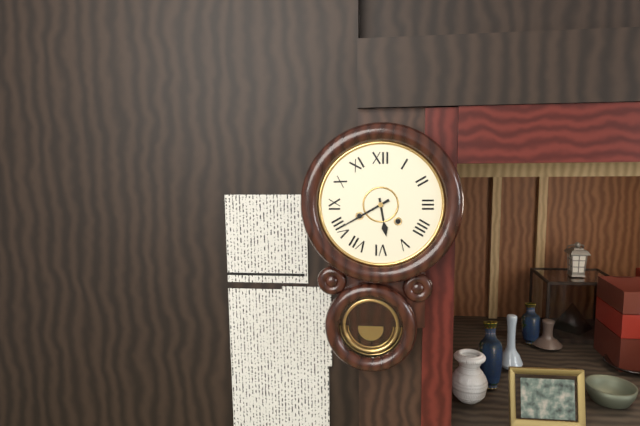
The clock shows 5.40
